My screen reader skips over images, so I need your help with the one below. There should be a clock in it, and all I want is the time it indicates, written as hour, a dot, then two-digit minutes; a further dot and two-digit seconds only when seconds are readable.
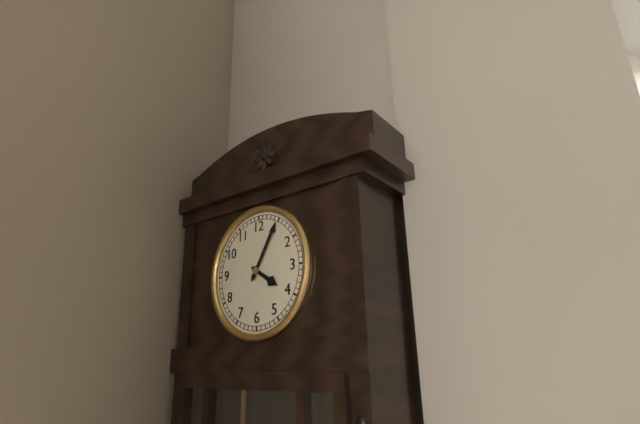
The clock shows 4.05
